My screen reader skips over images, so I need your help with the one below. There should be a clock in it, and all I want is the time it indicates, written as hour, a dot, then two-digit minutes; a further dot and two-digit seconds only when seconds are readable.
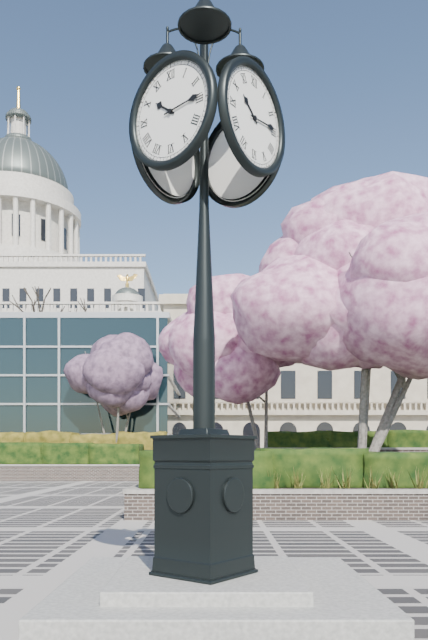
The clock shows 10.14
